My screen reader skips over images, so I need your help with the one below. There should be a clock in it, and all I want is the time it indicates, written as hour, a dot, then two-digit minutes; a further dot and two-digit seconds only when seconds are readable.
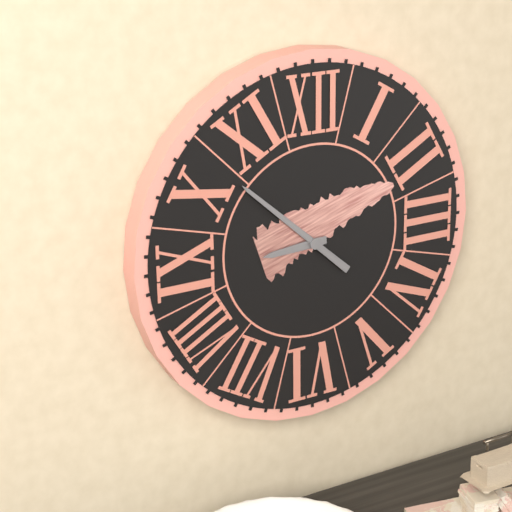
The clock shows 8.52
